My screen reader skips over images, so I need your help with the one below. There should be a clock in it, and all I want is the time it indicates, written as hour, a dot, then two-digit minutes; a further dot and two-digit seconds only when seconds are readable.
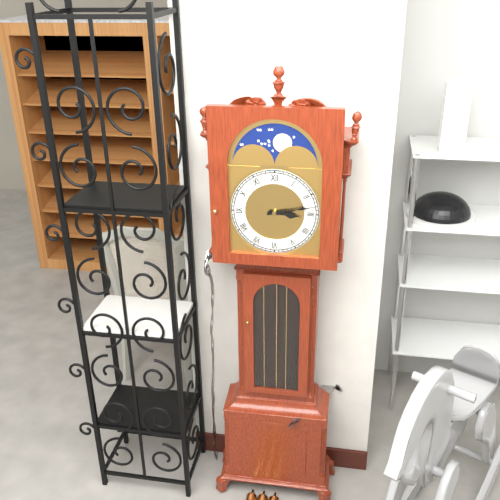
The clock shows 3.13
